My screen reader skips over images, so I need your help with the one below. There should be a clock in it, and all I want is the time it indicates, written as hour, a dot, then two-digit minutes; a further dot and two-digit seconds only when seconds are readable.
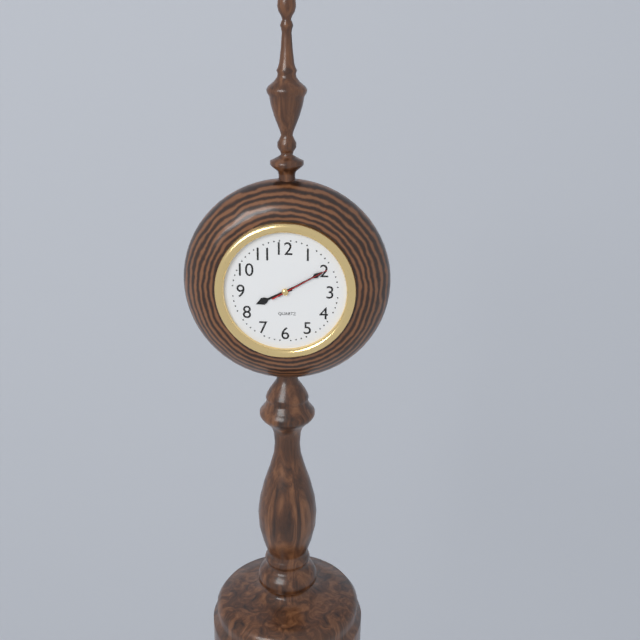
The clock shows 8.10.10
